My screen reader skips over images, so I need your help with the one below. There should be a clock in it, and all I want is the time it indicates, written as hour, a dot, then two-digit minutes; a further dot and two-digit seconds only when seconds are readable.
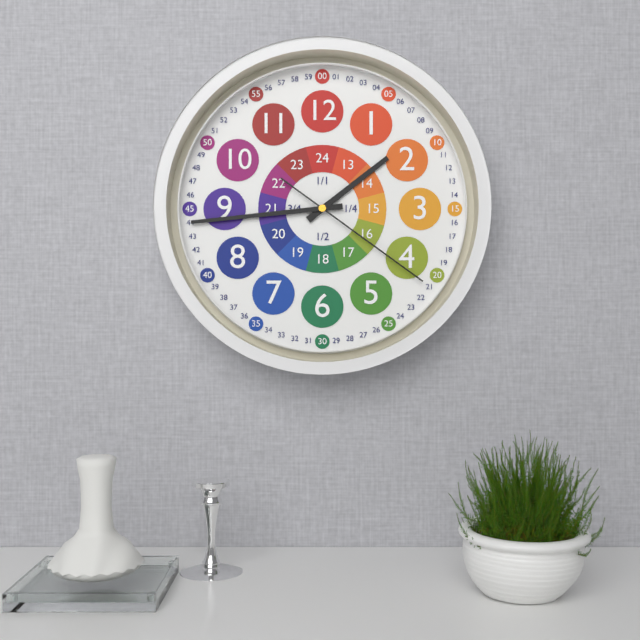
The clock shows 1.44.21
